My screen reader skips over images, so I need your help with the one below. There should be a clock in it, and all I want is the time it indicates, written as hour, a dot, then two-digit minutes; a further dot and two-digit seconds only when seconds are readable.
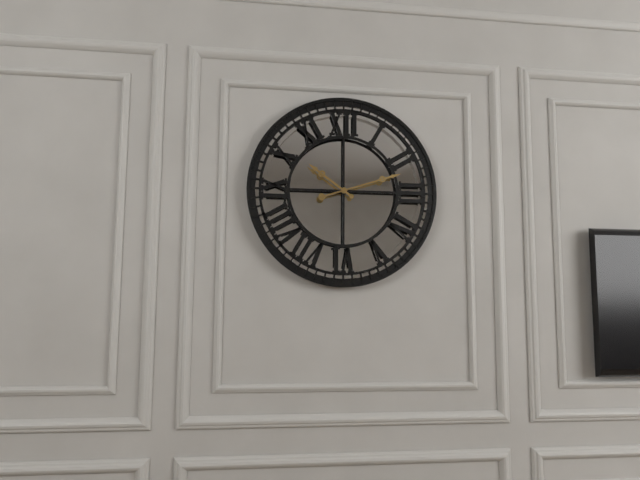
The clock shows 10.12
